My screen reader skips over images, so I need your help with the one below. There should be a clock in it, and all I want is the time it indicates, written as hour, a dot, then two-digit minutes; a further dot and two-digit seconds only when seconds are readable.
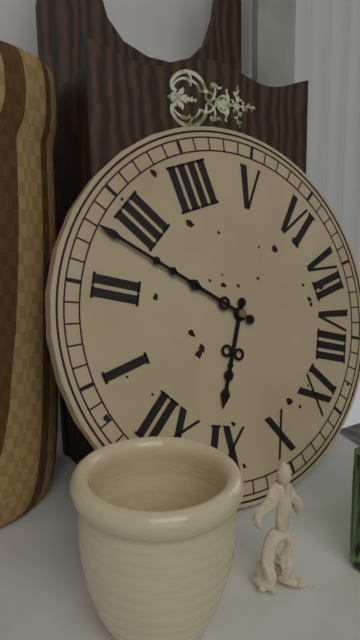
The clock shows 11.13
